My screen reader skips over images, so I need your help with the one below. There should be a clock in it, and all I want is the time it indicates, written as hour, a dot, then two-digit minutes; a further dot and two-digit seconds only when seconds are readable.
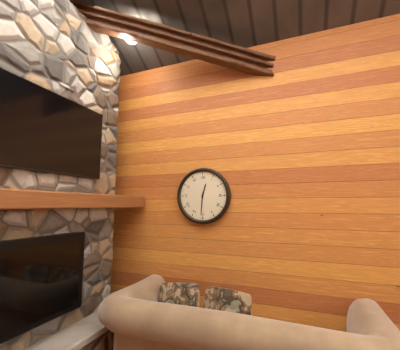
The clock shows 12.31
